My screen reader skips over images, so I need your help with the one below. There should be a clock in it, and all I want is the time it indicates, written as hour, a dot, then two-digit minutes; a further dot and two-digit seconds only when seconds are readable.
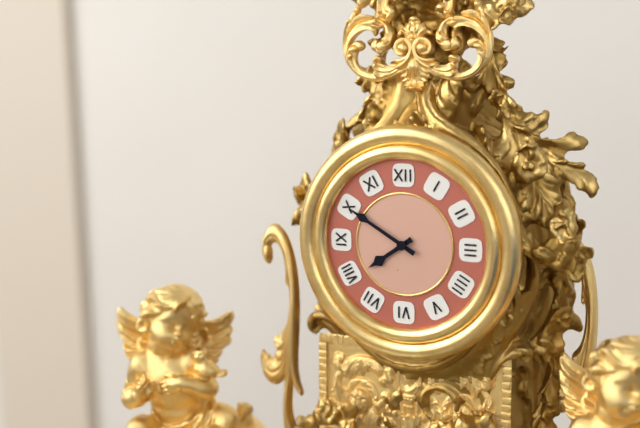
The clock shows 7.50
